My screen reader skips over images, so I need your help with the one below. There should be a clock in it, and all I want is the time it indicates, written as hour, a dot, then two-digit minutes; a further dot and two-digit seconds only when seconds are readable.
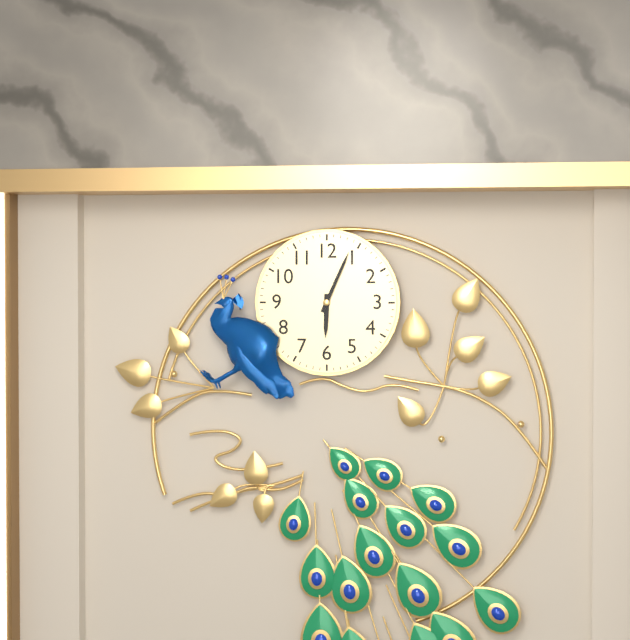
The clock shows 6.04
